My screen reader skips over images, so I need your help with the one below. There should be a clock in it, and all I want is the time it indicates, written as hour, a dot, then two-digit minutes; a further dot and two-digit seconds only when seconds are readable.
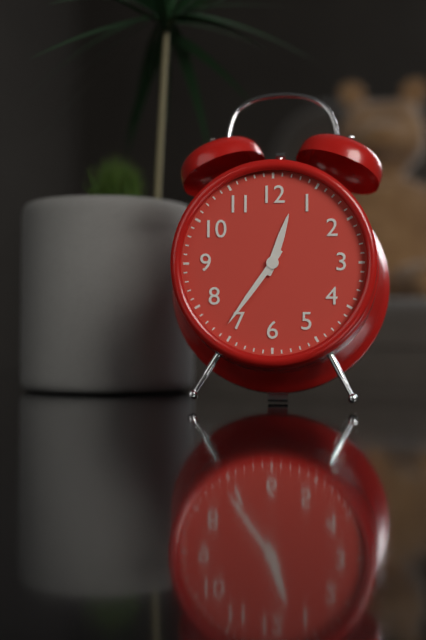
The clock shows 12.36
